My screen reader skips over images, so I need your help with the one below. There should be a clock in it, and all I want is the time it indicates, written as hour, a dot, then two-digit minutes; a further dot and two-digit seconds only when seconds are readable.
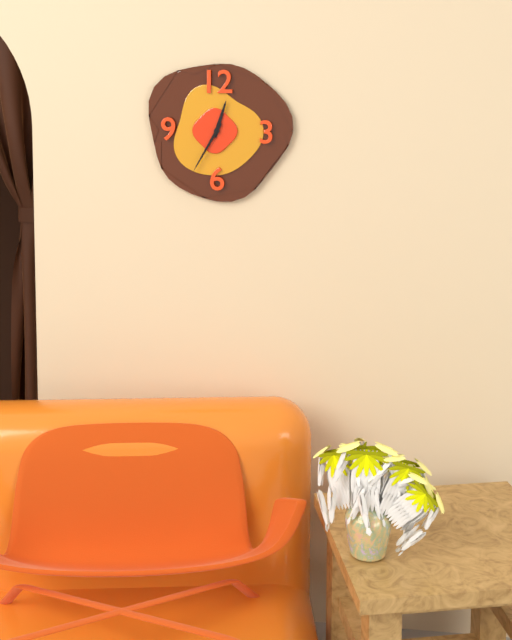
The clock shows 12.35
